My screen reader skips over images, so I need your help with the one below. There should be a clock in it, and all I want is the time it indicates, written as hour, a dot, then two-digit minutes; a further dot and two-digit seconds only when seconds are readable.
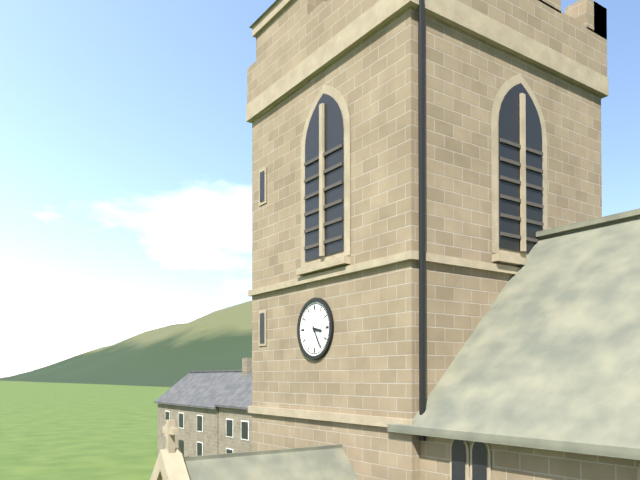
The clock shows 3.25
